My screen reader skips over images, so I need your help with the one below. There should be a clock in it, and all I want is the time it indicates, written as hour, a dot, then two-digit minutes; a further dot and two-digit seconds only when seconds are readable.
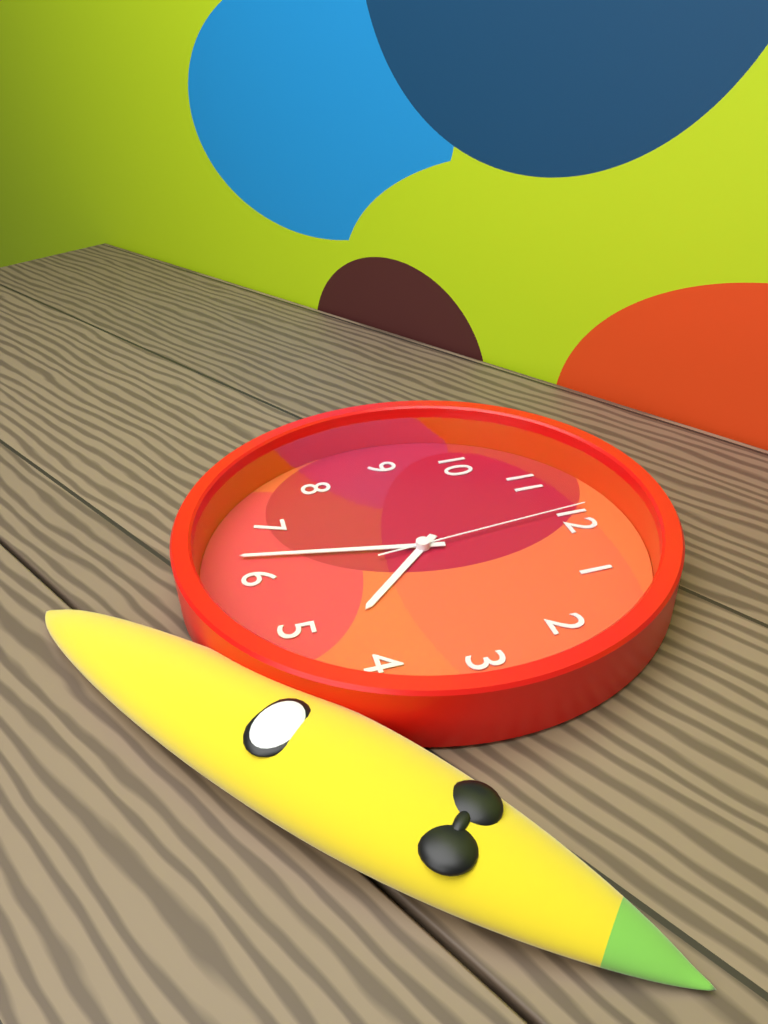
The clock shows 4.32.59
